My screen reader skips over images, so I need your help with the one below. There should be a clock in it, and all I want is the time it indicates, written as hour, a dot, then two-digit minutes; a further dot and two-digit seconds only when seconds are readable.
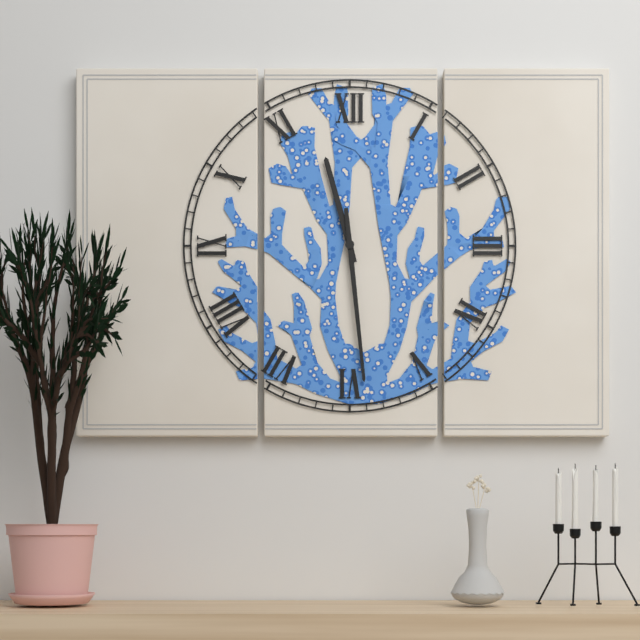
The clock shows 11.29
